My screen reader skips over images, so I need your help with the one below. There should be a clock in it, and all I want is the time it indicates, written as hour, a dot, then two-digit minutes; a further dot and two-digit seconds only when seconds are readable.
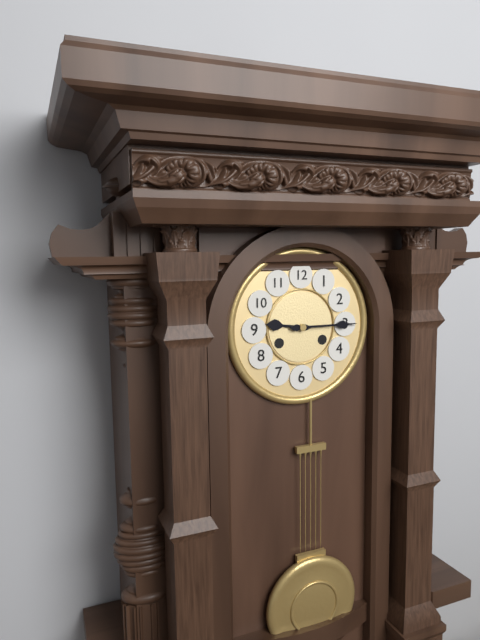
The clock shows 9.15
